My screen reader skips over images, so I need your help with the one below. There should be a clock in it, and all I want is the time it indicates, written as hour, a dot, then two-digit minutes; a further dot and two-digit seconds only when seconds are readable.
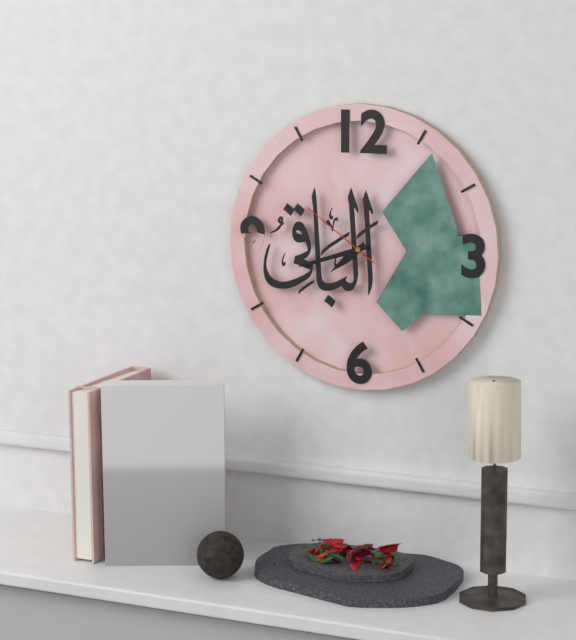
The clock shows 7.42.51
